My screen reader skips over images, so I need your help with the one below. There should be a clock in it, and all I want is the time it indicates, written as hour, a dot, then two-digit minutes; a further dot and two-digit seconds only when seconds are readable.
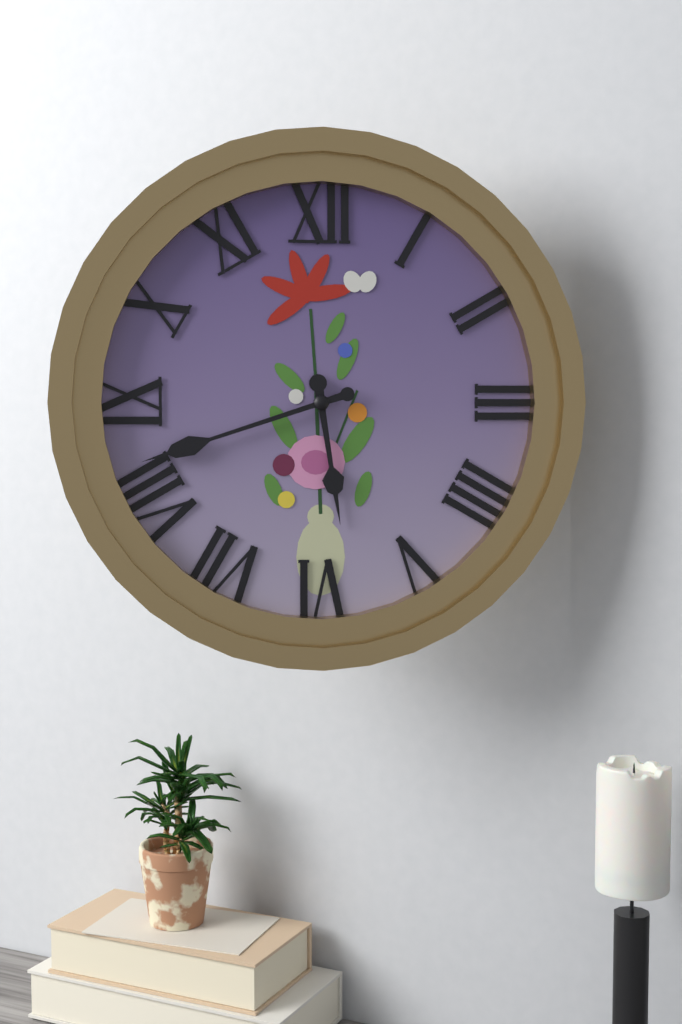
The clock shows 5.42
